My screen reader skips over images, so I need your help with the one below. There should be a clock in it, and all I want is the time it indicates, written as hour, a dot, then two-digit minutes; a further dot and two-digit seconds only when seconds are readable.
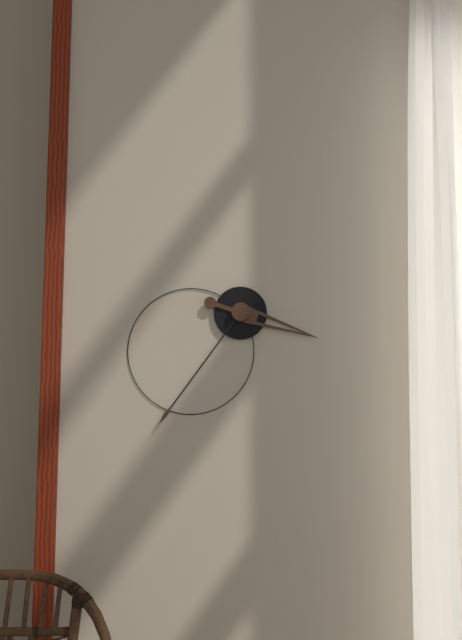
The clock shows 3.36
